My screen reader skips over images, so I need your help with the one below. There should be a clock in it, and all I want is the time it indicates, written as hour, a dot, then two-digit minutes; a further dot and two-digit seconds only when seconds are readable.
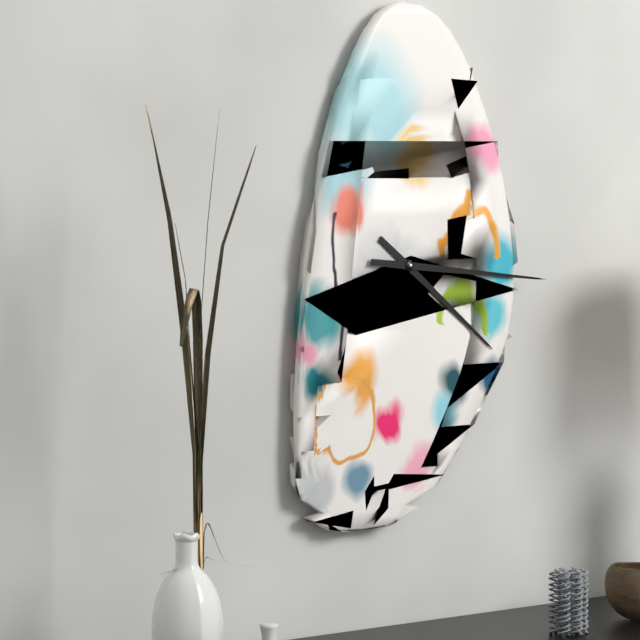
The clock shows 4.16
